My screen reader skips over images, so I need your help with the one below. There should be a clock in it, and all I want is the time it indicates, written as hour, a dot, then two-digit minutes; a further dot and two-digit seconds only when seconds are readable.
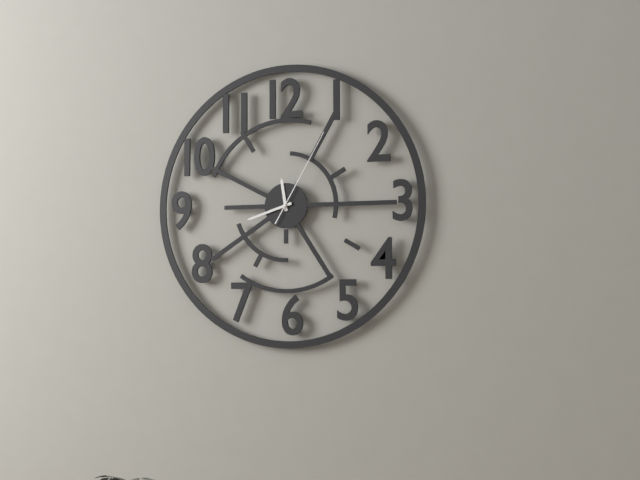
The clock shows 11.42.05
